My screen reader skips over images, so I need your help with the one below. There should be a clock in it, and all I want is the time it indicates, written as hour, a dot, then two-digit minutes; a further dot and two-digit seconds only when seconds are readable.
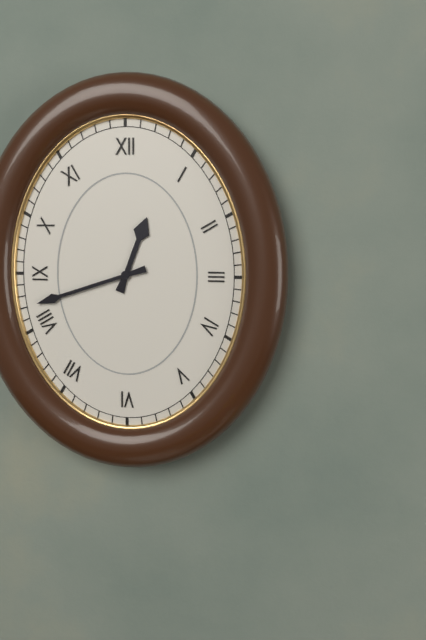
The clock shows 12.42
